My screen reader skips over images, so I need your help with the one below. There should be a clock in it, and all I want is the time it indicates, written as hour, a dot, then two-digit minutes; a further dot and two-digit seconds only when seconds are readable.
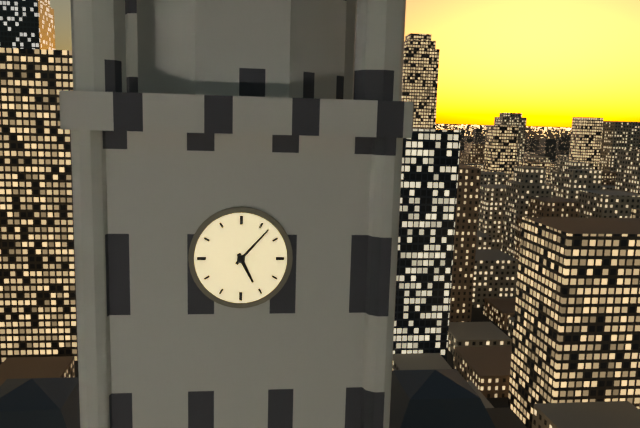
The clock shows 5.07
